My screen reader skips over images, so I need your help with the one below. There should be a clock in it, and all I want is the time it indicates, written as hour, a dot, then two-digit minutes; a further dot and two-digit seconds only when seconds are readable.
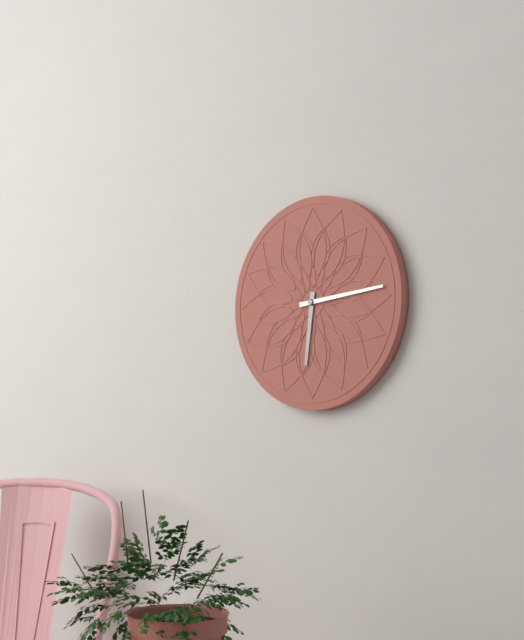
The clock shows 6.14
